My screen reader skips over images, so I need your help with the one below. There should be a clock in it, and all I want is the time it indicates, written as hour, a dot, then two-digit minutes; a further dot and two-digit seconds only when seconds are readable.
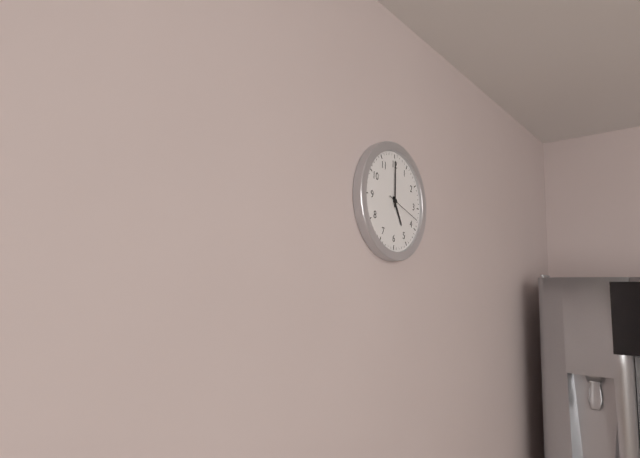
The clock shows 5.00
